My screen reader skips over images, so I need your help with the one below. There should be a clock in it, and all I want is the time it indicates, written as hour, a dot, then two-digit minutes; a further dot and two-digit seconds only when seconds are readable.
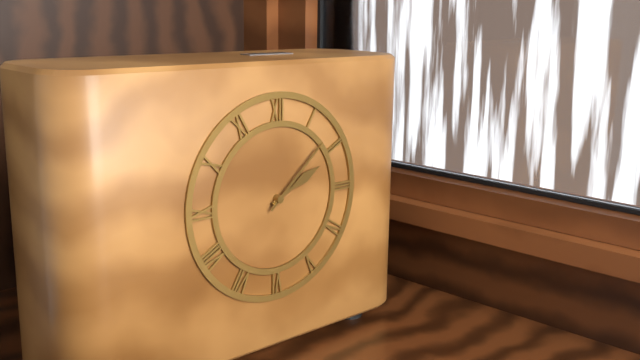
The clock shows 2.08
